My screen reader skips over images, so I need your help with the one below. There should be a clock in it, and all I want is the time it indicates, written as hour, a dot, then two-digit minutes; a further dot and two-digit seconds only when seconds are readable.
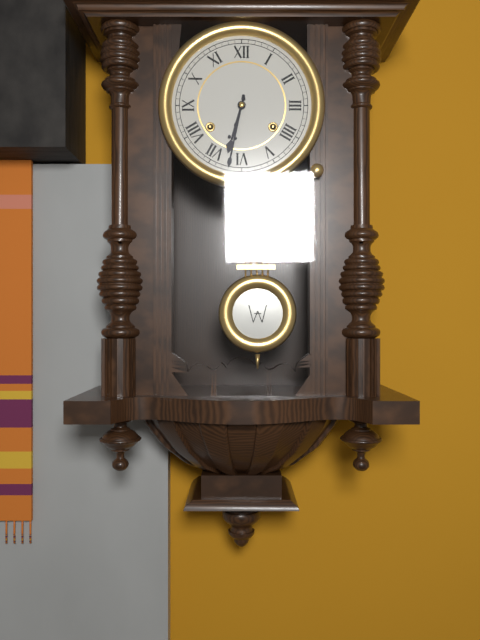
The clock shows 6.32
